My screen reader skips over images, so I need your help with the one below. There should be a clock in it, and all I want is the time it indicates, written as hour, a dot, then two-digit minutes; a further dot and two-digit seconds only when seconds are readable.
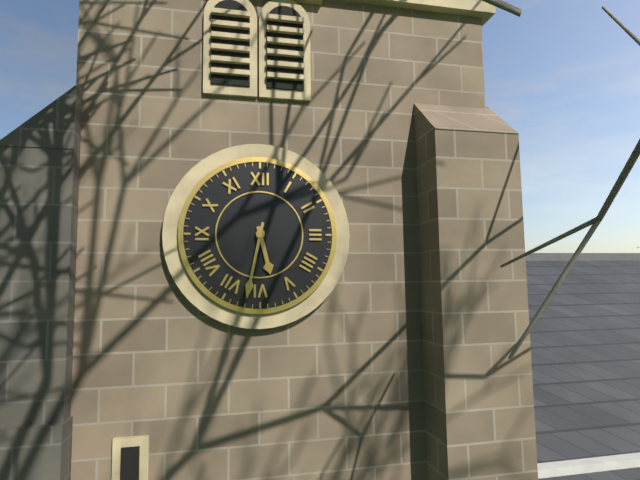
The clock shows 5.32
